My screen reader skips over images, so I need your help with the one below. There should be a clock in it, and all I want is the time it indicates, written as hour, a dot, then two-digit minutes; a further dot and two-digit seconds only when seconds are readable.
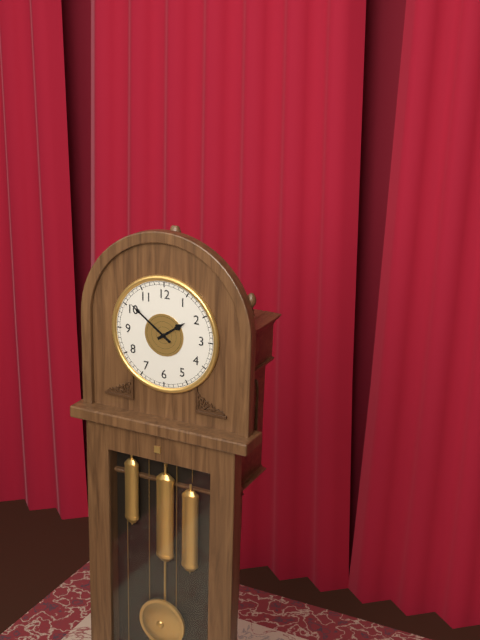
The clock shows 1.51
